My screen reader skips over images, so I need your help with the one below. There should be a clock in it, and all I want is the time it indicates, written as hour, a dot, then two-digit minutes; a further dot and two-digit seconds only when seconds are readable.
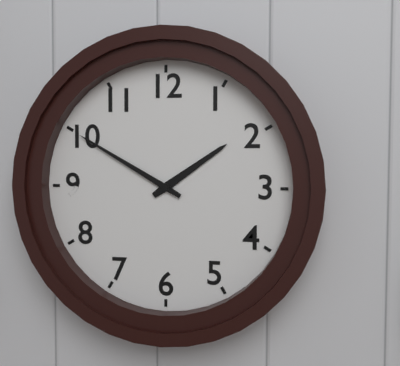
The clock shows 1.50
